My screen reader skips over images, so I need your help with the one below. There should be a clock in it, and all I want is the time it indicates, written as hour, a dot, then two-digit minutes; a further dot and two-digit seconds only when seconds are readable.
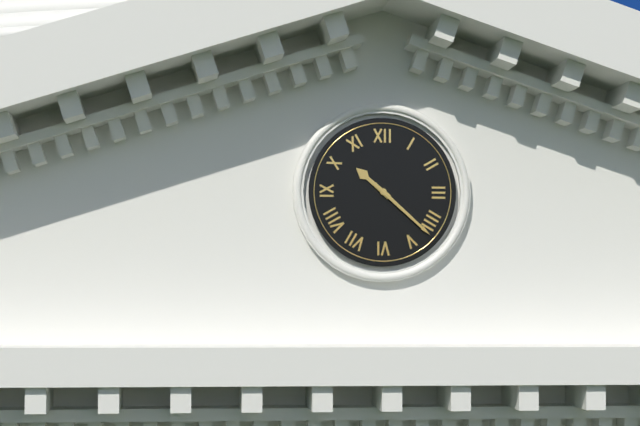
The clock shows 10.22
